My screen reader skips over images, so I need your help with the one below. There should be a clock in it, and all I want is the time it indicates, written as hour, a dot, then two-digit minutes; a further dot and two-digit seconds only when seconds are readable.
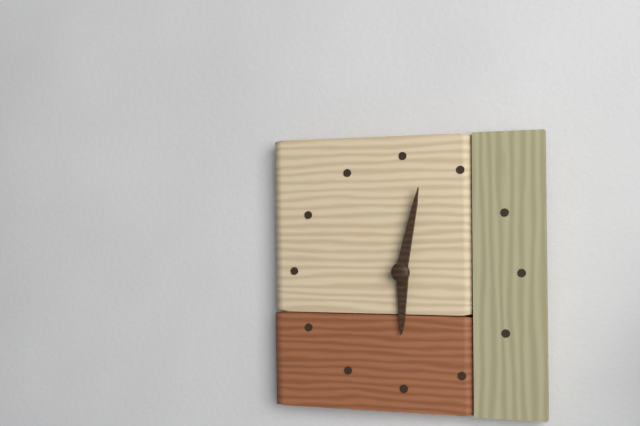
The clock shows 6.02
